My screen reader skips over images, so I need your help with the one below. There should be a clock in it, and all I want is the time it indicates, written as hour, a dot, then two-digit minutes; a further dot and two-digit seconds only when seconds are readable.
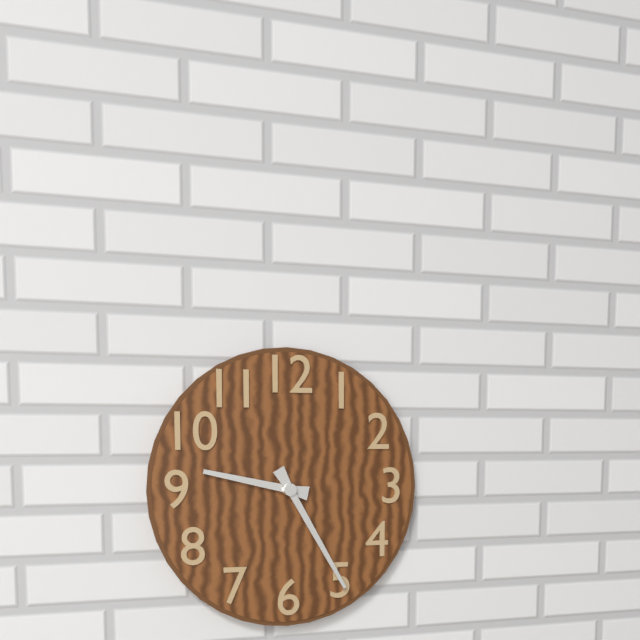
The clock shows 9.25
